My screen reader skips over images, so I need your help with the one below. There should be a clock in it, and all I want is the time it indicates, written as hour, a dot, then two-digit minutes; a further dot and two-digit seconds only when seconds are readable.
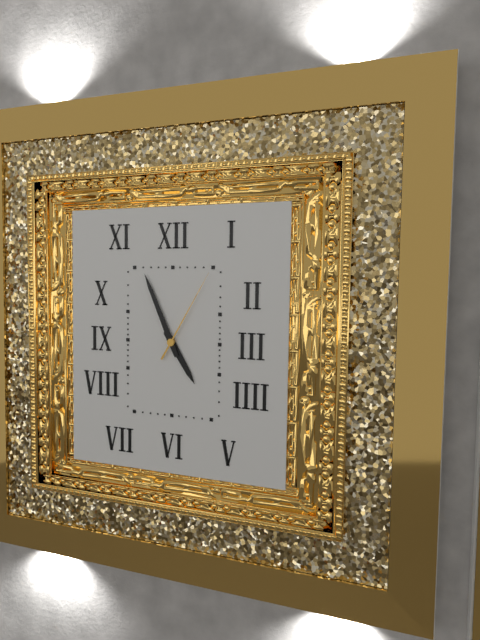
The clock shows 4.56.05
